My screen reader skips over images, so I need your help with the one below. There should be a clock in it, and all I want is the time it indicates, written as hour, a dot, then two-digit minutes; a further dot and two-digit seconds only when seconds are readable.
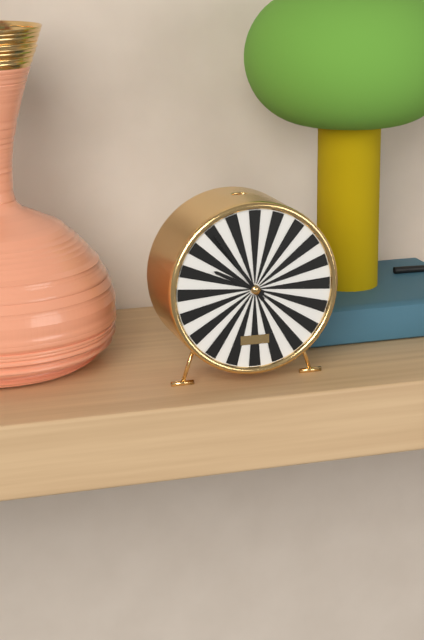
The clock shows 9.54
